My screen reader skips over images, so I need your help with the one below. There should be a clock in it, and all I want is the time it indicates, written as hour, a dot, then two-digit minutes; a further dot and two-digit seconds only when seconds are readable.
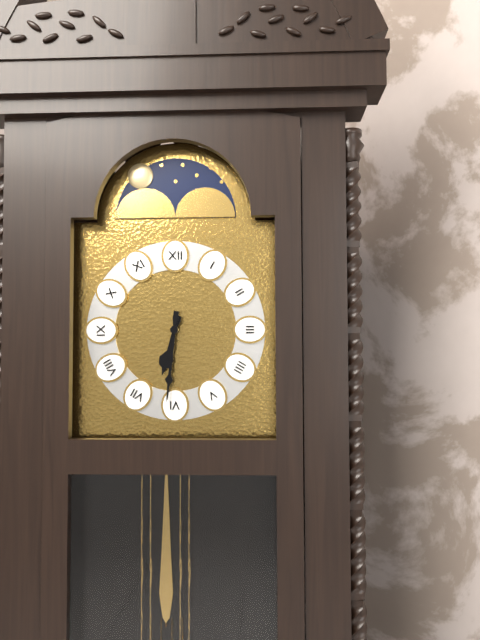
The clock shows 6.31
